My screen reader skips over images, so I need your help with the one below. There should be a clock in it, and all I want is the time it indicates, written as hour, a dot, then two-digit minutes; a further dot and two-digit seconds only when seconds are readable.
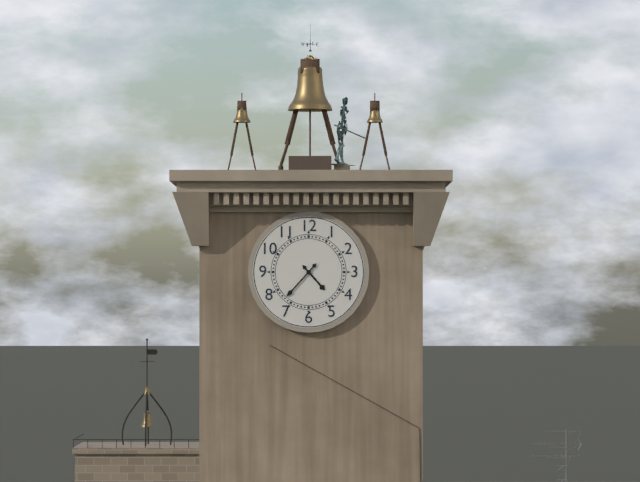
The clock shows 4.37
